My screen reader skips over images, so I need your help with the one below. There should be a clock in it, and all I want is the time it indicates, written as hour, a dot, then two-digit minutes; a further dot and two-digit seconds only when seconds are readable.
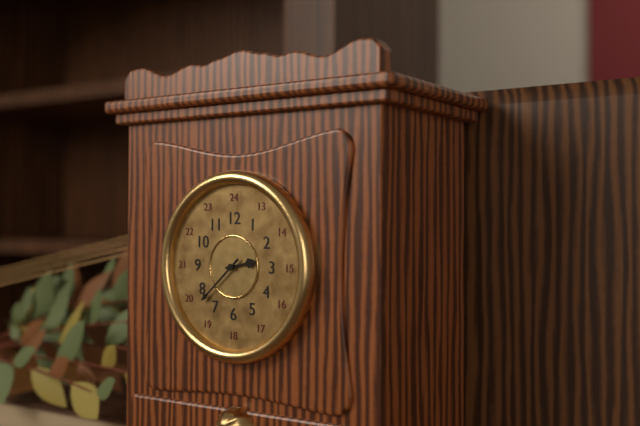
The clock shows 2.38
